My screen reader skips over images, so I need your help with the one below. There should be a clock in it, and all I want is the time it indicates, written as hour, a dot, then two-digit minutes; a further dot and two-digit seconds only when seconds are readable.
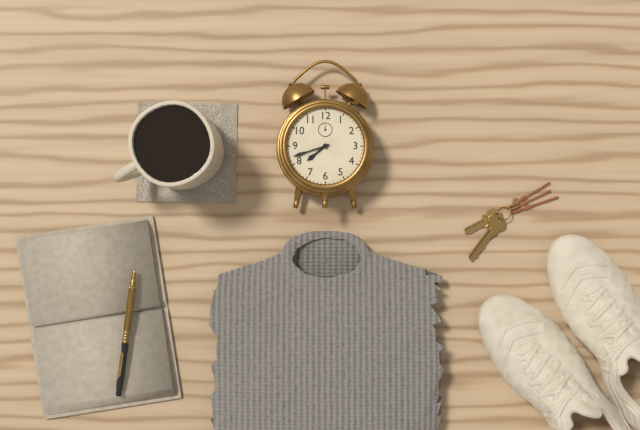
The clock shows 7.42
